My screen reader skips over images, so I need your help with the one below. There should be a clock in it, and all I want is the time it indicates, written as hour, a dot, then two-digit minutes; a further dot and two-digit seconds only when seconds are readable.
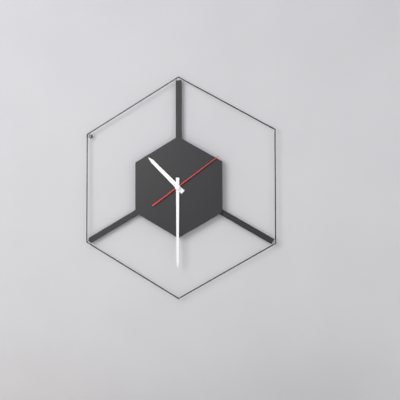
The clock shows 10.30.09
